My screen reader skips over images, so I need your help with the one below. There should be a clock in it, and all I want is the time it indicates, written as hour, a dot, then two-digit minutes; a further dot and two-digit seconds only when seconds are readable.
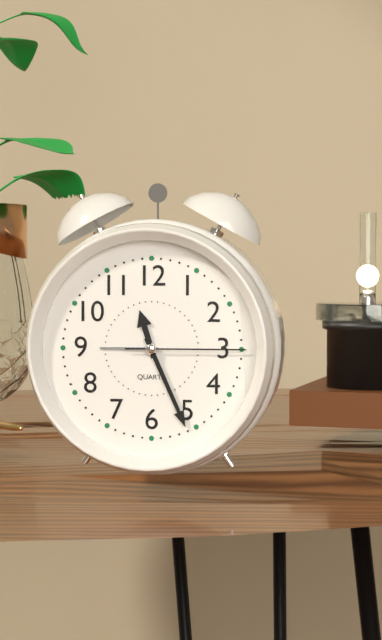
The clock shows 11.26.15
